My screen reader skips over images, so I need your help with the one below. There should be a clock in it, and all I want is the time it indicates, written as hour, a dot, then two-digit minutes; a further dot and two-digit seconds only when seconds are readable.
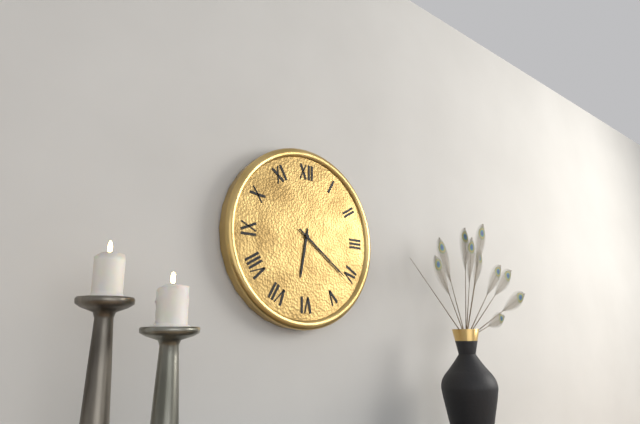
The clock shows 6.21
